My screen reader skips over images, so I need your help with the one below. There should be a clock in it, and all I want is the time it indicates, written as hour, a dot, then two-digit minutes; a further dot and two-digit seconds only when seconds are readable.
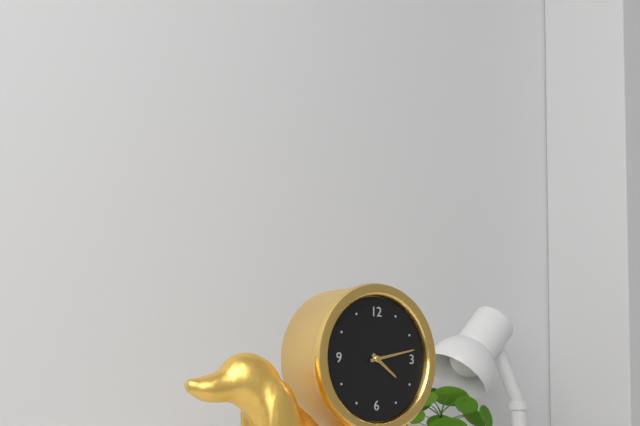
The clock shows 4.13
